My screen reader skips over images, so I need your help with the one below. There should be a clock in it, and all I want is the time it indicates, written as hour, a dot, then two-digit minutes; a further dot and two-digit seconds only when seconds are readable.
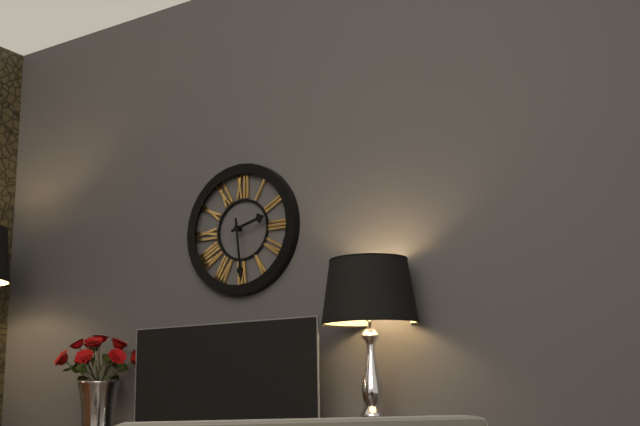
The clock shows 2.29
